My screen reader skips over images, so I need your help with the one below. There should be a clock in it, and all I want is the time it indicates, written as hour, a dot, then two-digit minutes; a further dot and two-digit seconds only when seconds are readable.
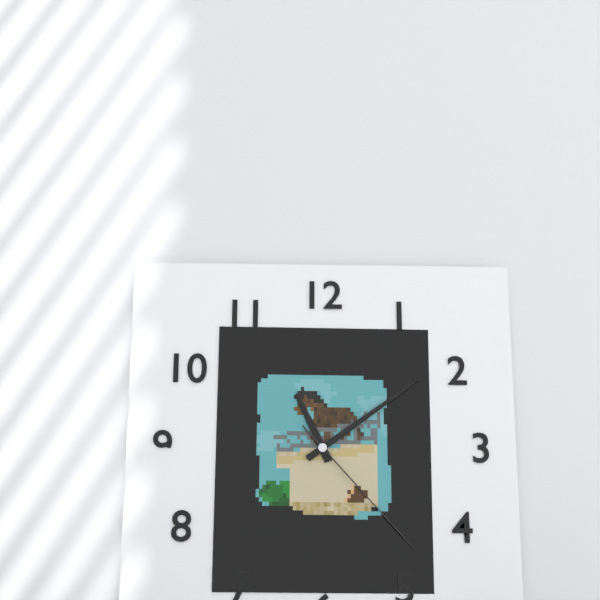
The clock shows 11.09.23
